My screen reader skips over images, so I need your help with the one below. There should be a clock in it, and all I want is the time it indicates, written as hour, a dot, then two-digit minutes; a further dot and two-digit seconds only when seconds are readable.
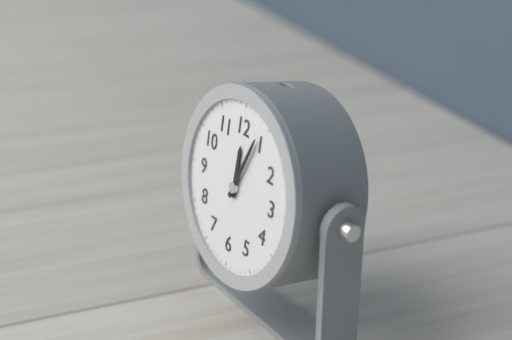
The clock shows 12.04
